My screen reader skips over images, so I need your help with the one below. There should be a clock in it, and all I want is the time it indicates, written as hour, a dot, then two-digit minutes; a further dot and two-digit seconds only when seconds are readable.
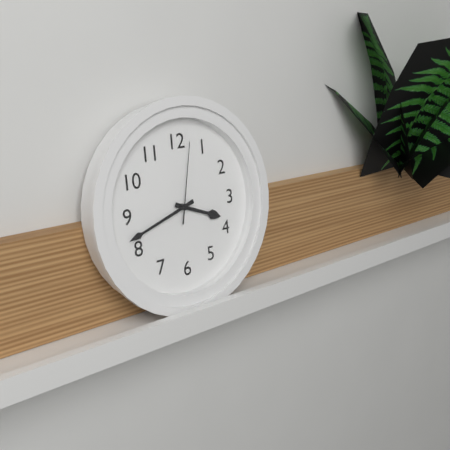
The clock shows 3.42.02
